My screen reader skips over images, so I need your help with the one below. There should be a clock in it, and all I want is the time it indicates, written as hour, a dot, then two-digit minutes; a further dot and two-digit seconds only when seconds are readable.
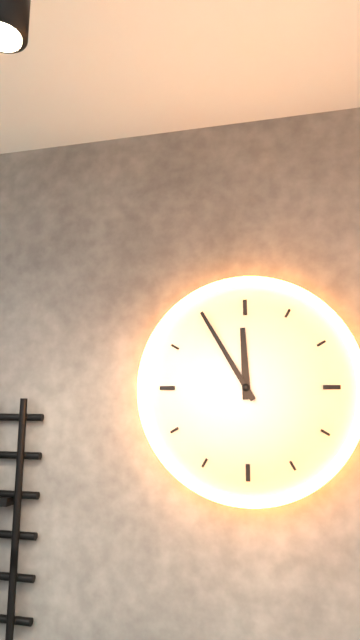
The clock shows 11.55
